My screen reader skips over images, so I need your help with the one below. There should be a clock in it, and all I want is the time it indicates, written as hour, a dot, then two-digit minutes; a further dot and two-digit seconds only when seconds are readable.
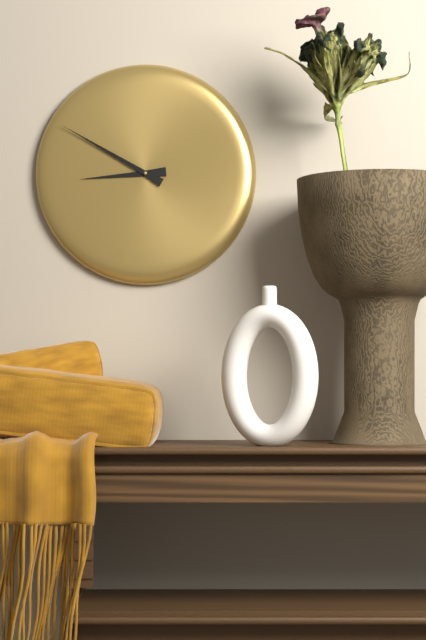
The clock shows 8.50
